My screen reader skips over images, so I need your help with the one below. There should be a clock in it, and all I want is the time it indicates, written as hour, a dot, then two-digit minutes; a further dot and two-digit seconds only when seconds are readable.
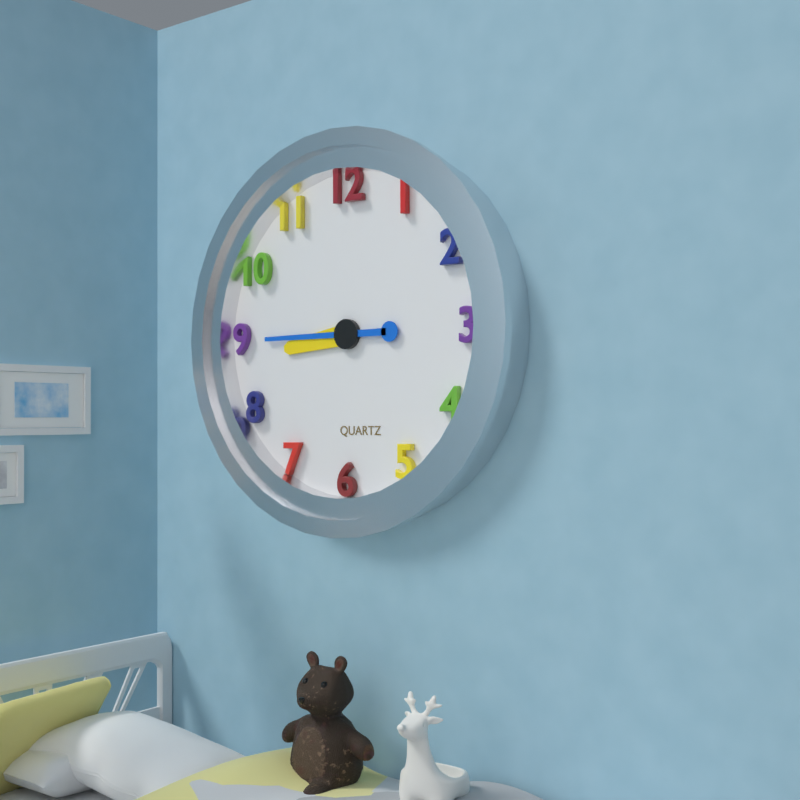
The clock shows 8.45
